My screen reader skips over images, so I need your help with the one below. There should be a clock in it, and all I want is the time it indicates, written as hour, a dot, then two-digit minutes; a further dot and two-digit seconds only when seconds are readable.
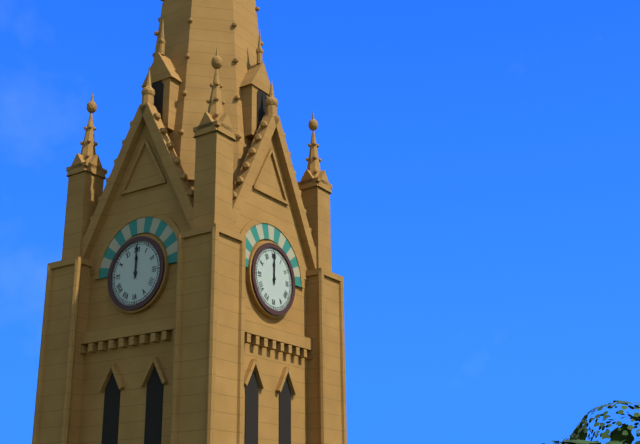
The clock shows 12.00
